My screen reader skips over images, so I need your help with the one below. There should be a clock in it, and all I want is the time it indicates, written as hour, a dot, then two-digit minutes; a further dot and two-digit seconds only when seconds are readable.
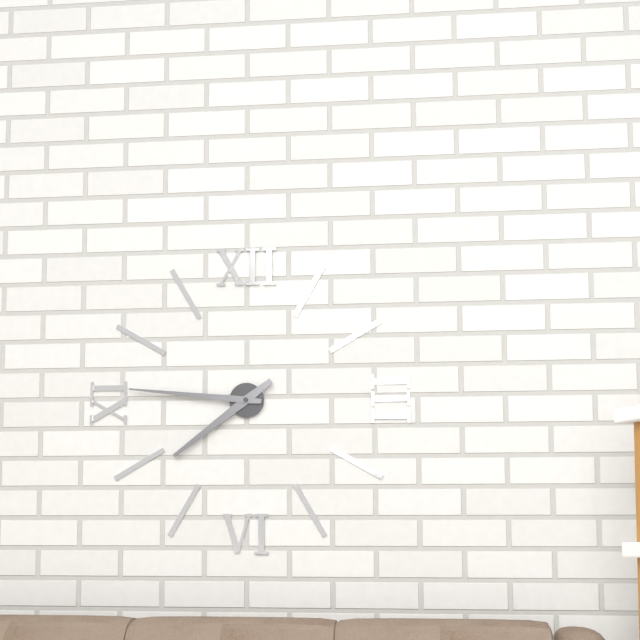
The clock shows 7.46
